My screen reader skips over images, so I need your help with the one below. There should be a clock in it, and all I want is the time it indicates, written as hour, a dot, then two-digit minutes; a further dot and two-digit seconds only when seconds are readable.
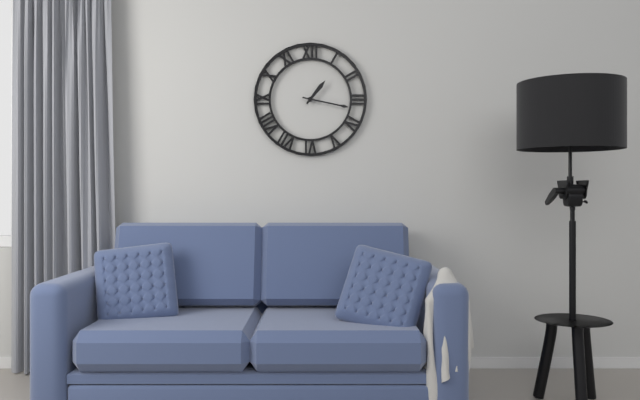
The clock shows 1.17
